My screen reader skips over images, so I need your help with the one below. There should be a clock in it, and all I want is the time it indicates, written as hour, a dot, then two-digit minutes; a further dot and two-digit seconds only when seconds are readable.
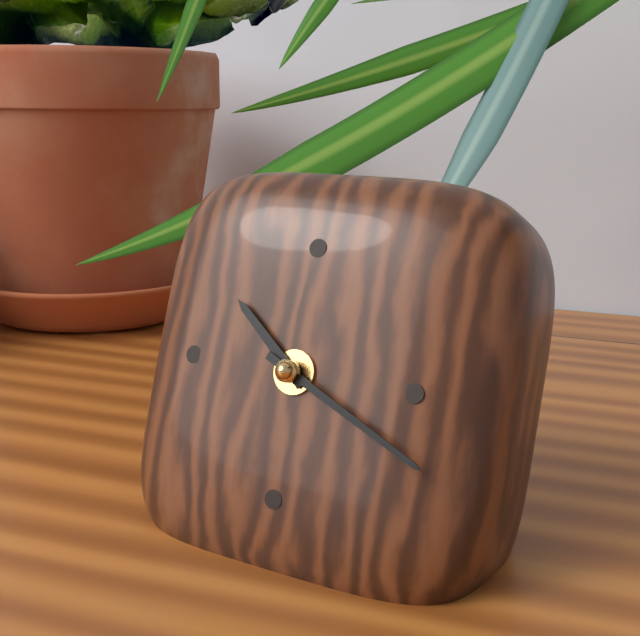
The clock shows 10.19
